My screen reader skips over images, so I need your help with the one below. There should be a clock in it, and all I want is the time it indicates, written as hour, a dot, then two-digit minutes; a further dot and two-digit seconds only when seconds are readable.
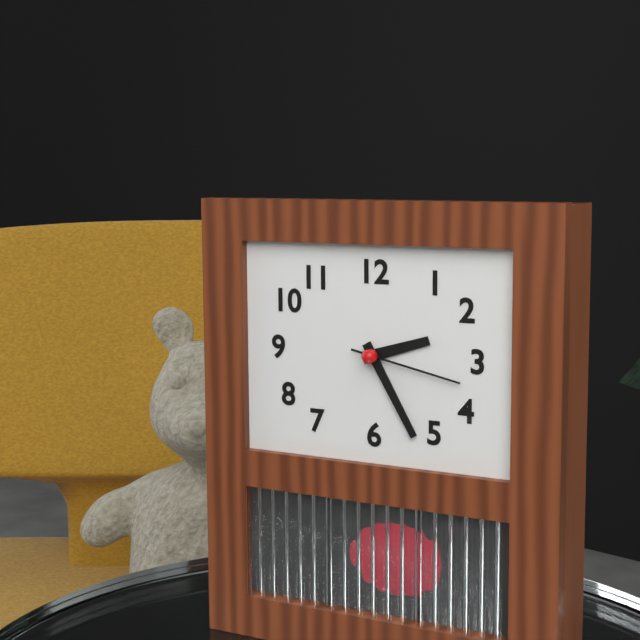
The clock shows 2.25.17
